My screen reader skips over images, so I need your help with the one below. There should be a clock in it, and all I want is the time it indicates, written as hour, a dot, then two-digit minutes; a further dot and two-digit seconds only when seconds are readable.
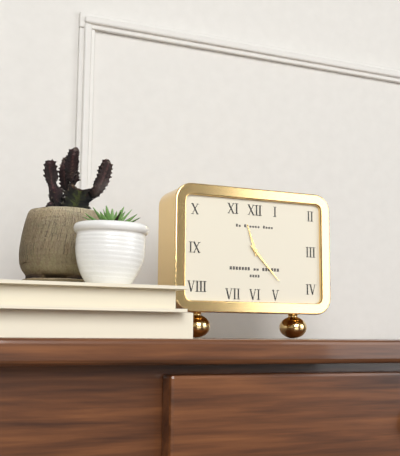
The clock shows 11.23
